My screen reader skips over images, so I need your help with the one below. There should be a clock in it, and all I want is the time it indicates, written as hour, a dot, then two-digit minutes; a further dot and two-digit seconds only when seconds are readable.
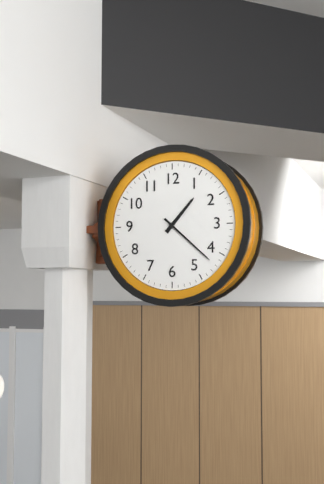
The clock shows 1.22
